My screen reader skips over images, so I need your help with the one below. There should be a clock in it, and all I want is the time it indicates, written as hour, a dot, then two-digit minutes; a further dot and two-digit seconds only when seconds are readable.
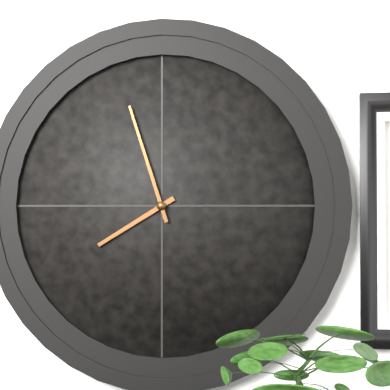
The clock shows 7.57
